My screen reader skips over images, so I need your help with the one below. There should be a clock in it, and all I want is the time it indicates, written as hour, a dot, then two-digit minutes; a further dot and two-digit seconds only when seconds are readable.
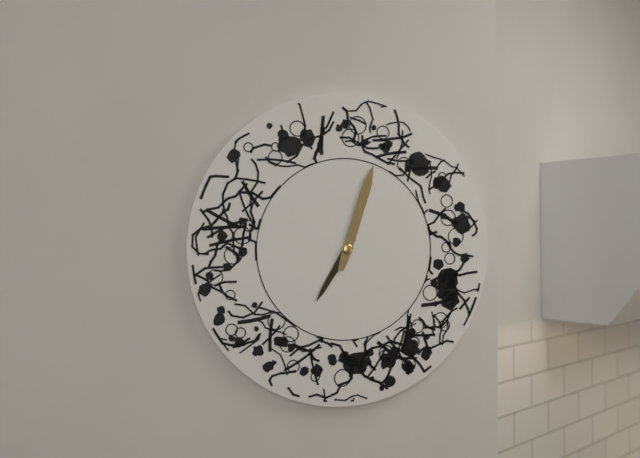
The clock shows 7.03
